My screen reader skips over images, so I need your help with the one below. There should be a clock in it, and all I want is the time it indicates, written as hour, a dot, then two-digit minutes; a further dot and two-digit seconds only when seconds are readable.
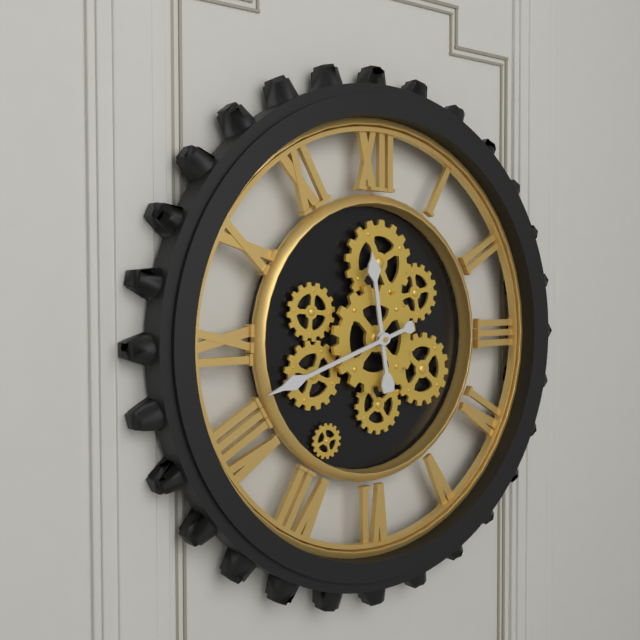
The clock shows 11.42
